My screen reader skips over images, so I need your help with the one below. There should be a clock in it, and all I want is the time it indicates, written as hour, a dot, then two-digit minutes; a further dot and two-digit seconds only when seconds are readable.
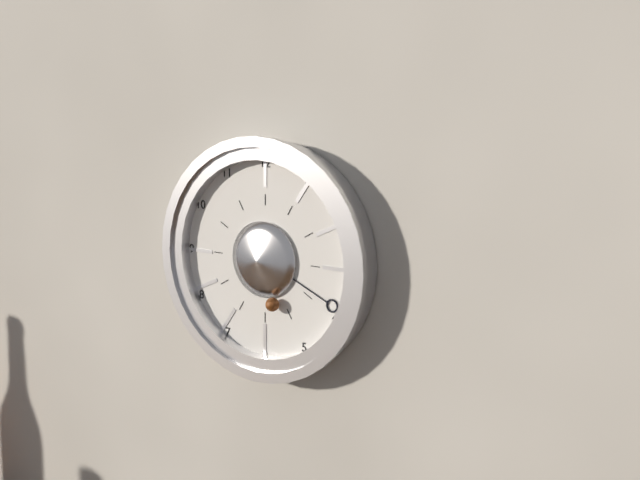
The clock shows 5.19
